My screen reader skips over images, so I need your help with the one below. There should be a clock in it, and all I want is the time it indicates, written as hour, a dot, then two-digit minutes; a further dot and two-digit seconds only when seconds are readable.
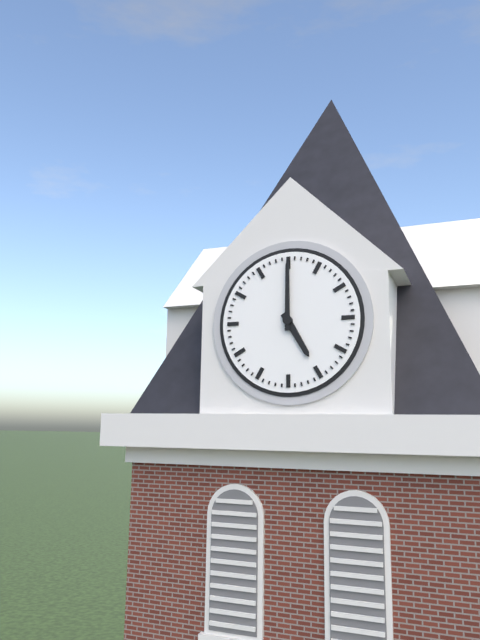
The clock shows 5.00
